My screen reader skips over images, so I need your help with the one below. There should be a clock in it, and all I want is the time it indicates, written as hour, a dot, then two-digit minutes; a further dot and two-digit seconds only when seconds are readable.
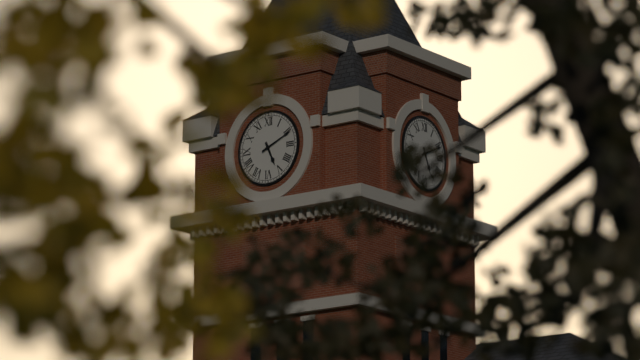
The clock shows 5.11
